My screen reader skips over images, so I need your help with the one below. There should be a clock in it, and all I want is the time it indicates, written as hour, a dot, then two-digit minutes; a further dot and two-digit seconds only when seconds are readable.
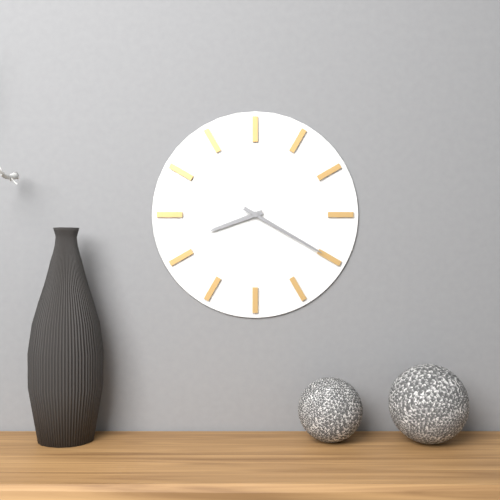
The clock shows 8.20
